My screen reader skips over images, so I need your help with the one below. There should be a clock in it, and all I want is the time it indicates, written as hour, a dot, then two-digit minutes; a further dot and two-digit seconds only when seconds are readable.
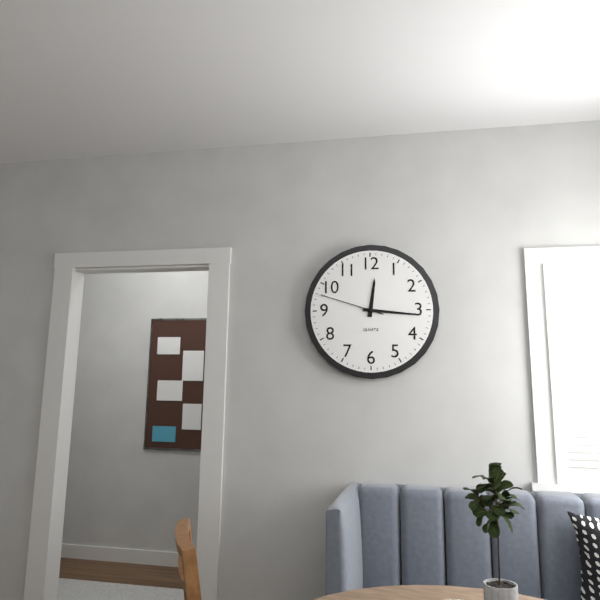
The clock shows 12.16.48
